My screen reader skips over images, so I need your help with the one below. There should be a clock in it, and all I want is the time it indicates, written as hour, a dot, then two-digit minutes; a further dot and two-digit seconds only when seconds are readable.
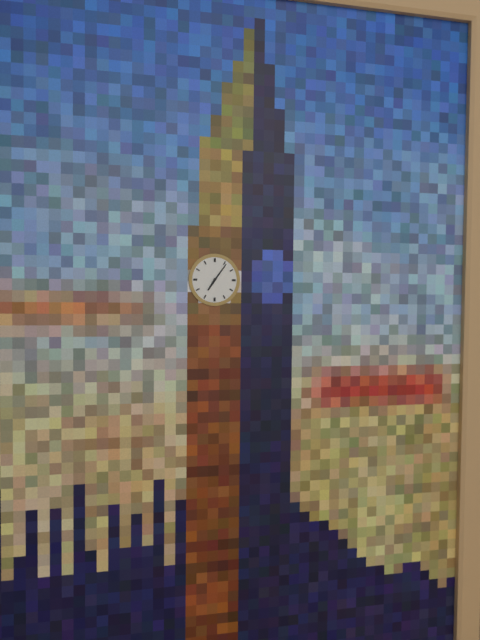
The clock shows 7.06
